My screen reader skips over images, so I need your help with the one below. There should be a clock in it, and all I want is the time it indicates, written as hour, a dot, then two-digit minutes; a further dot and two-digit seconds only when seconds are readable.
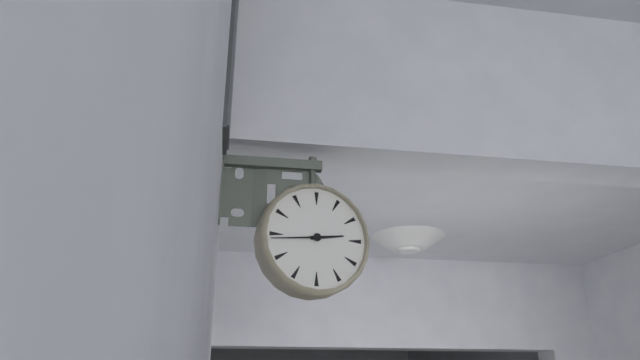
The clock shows 2.44
